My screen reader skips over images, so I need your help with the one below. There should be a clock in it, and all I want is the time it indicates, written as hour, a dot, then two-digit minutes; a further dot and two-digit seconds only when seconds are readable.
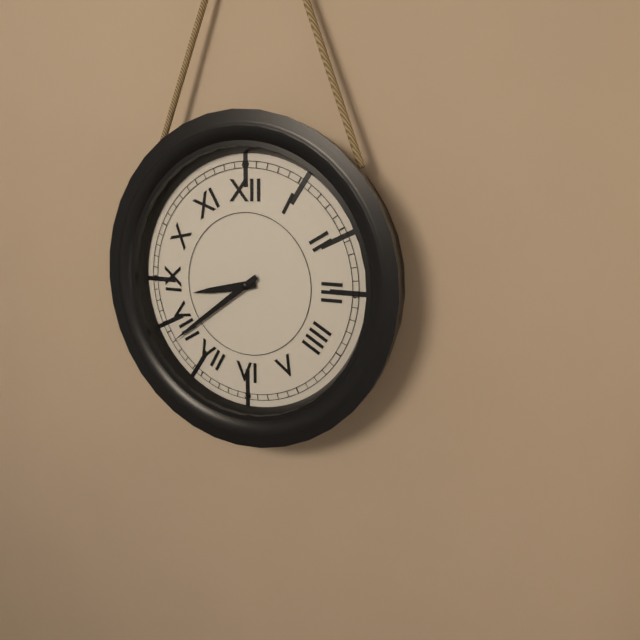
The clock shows 8.39
